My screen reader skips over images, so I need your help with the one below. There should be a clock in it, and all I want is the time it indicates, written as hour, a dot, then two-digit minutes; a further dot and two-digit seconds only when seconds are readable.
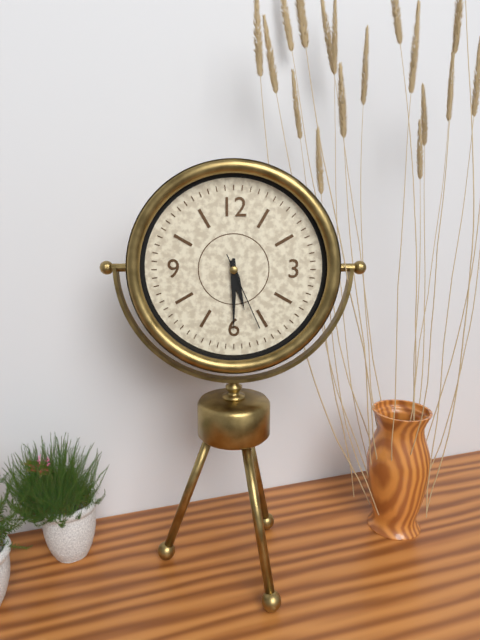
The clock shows 5.30.26
